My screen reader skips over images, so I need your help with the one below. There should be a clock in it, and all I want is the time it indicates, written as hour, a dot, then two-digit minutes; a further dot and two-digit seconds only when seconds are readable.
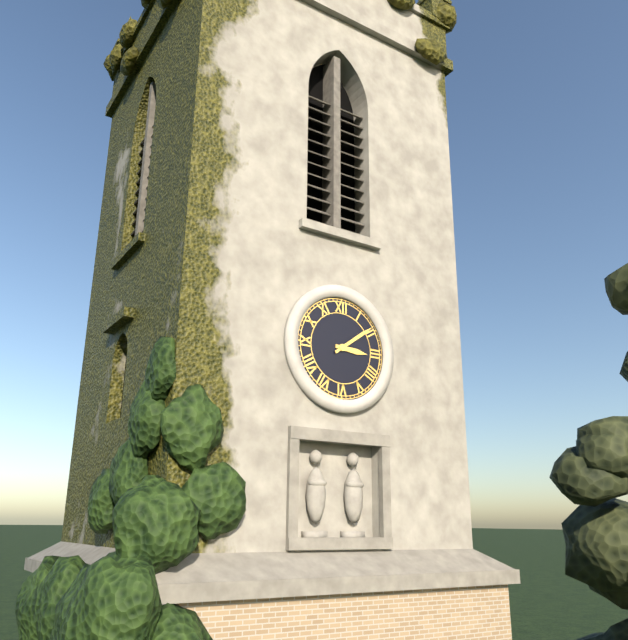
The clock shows 3.09
